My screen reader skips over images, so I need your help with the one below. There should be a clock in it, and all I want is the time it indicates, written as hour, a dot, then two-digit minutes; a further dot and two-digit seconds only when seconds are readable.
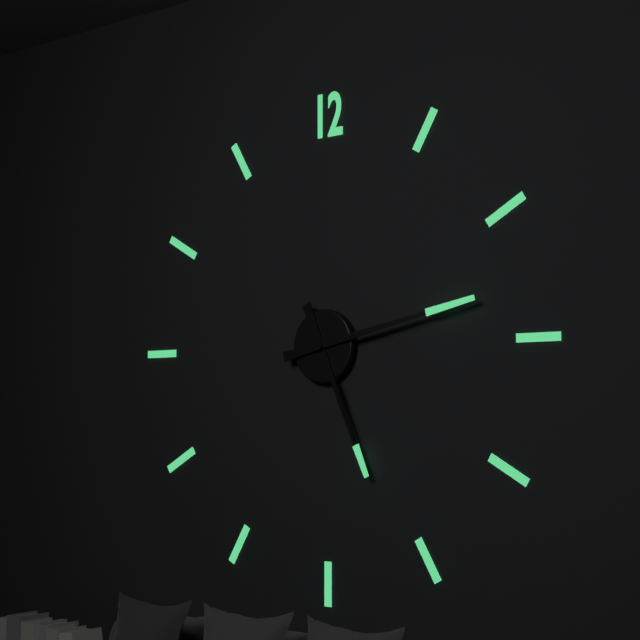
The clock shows 5.13
